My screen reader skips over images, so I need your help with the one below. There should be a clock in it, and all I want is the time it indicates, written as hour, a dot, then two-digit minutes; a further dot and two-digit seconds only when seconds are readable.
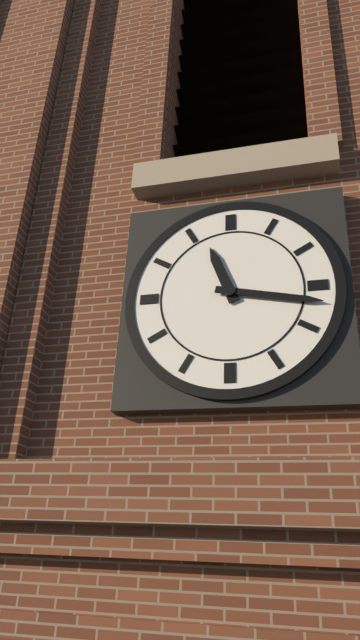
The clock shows 11.17
